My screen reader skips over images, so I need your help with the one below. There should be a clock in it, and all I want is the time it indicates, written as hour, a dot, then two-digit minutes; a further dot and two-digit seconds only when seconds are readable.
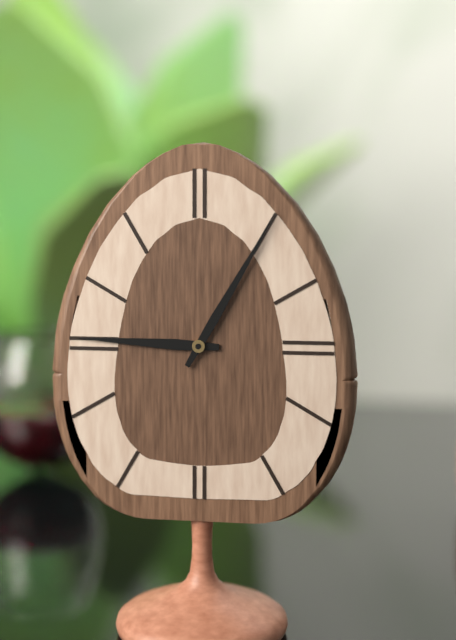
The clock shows 9.05
